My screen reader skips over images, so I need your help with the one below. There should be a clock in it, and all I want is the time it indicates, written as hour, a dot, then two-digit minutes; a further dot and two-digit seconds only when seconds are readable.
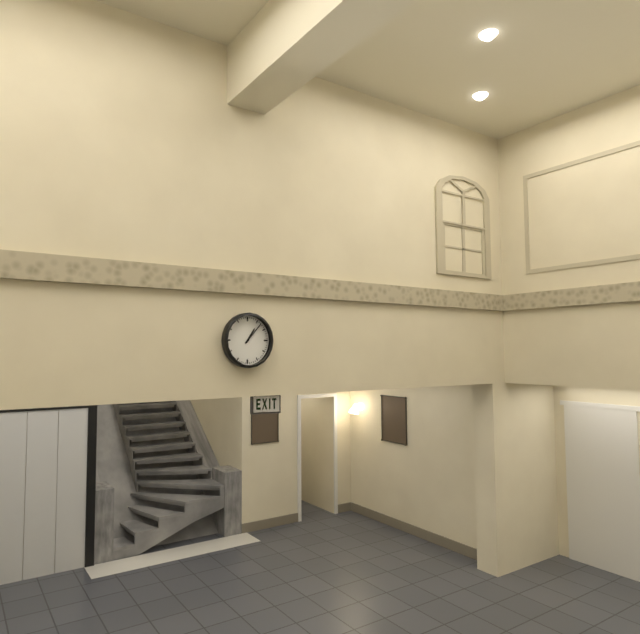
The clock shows 1.07
